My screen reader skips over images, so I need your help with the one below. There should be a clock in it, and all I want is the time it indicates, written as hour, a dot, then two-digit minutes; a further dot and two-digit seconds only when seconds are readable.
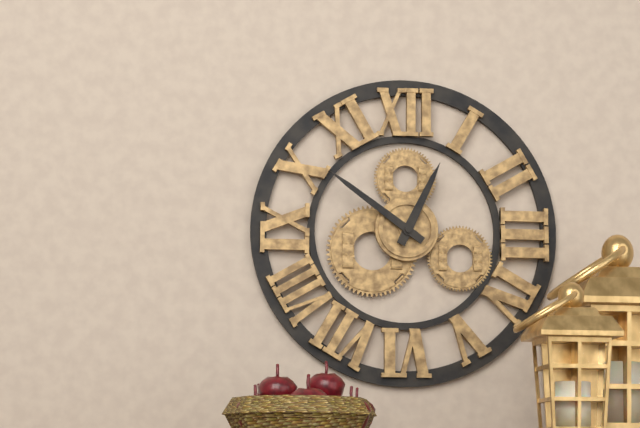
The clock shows 12.51
